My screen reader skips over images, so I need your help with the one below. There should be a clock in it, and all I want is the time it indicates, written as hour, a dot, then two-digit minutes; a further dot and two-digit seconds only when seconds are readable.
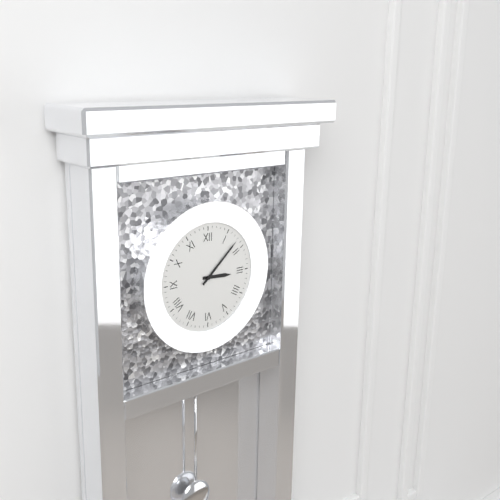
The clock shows 3.08
